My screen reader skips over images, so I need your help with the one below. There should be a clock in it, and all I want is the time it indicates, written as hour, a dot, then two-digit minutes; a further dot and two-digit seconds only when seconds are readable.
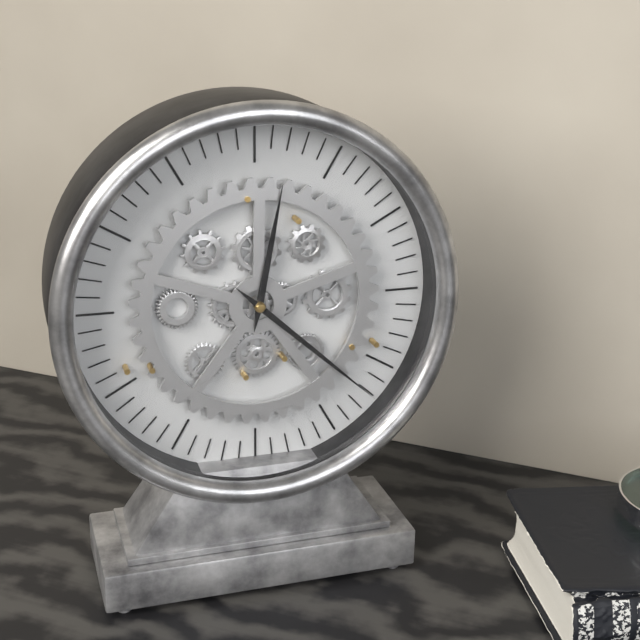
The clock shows 12.22
